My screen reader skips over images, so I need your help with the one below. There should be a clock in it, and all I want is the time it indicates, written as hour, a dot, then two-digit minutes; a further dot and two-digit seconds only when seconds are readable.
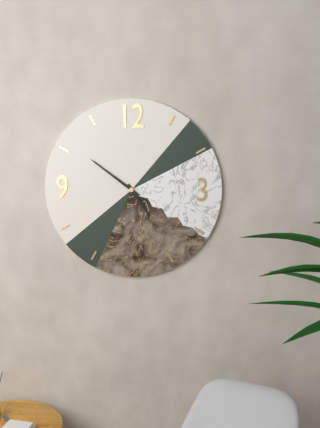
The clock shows 4.51
